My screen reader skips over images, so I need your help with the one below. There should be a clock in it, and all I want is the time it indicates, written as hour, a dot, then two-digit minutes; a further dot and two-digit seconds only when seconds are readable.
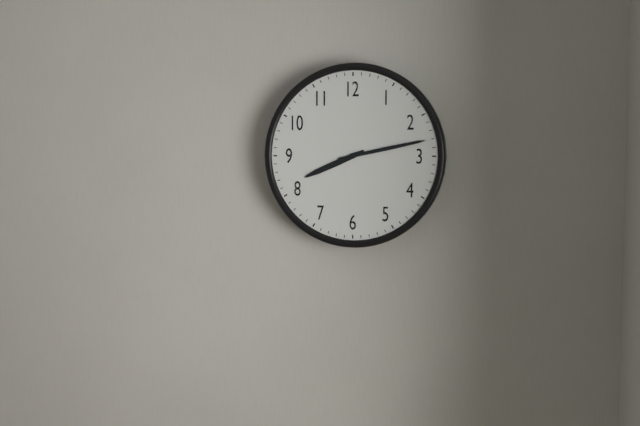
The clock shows 8.13
